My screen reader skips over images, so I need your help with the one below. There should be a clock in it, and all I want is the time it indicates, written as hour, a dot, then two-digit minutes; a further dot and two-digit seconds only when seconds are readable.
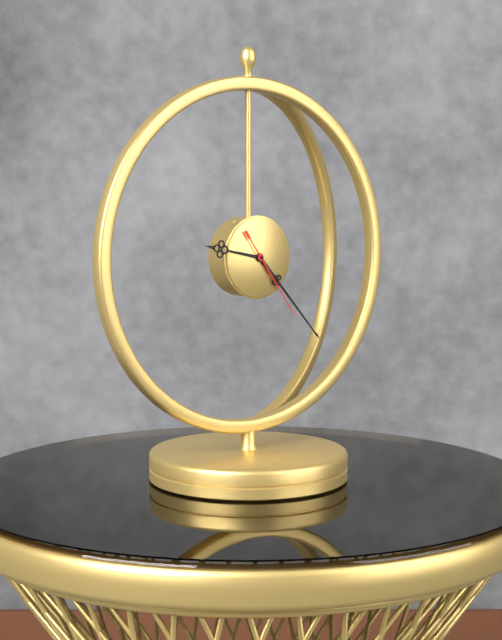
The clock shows 9.23.24
